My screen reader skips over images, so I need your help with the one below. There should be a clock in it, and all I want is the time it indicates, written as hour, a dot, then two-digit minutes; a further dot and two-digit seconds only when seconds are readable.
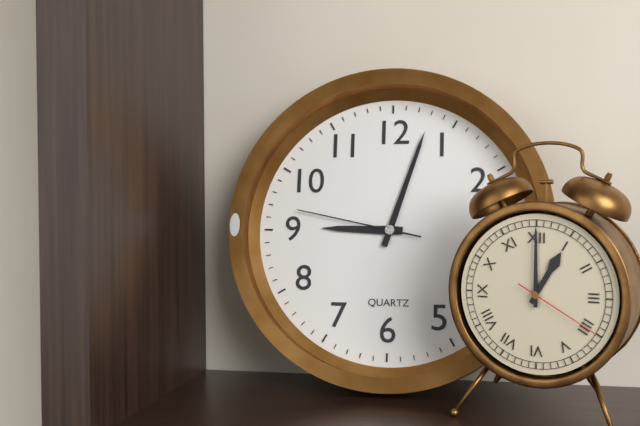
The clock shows 9.03.47
